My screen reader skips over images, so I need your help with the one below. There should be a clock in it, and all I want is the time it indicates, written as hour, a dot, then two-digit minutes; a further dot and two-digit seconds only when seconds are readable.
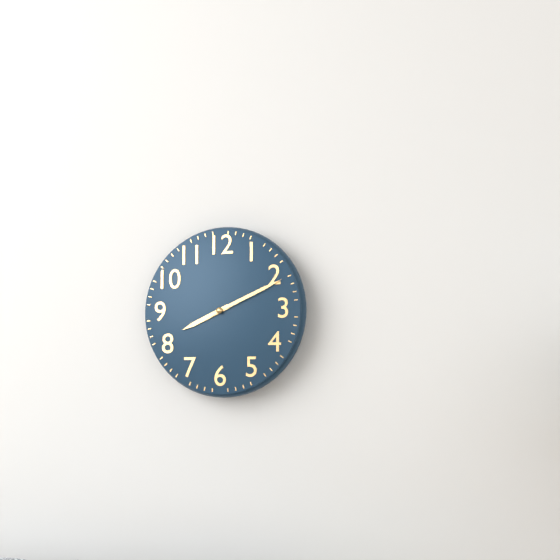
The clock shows 8.11
